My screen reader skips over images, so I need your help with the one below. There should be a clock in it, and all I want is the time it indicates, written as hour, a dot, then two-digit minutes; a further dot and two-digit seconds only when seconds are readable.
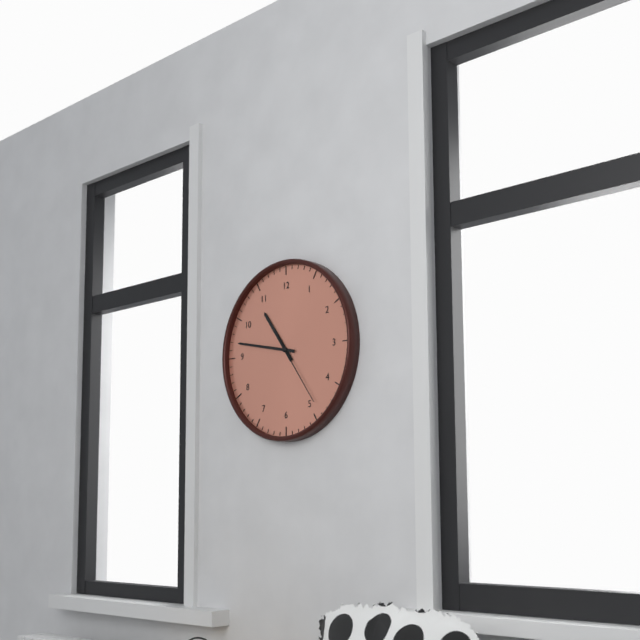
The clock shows 10.47.24
